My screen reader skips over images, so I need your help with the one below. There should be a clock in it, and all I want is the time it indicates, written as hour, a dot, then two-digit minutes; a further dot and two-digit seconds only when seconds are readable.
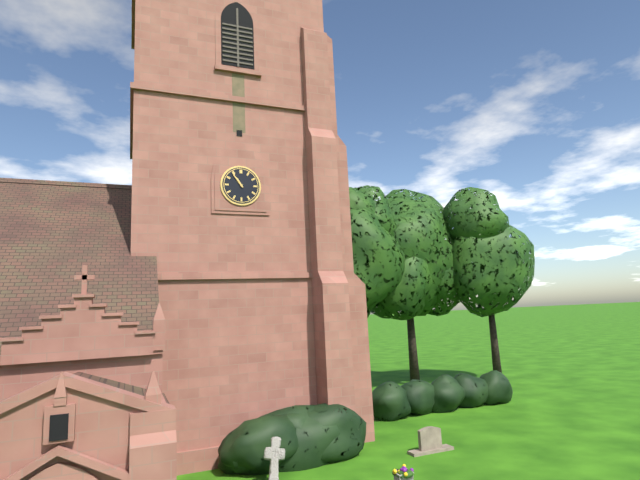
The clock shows 10.54
